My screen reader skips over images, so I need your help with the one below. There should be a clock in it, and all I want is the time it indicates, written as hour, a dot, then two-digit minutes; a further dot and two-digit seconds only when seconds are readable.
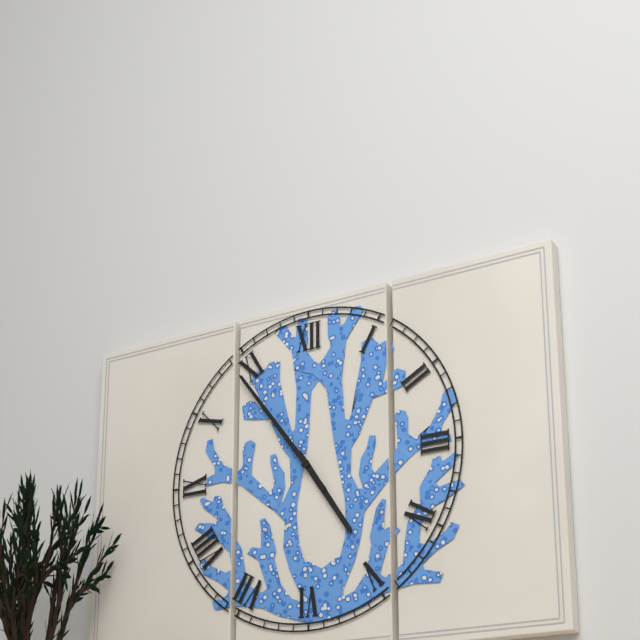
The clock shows 4.54
